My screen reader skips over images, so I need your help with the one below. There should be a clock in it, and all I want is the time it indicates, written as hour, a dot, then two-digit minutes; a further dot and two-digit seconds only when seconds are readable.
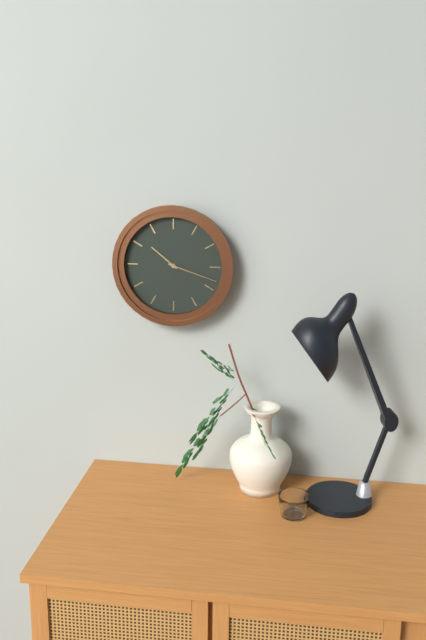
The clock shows 10.18
